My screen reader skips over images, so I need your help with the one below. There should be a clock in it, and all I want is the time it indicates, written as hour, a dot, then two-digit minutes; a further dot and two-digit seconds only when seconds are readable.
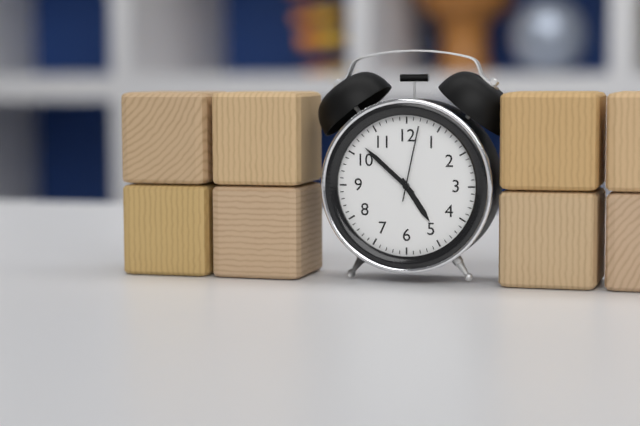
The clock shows 4.52.02
